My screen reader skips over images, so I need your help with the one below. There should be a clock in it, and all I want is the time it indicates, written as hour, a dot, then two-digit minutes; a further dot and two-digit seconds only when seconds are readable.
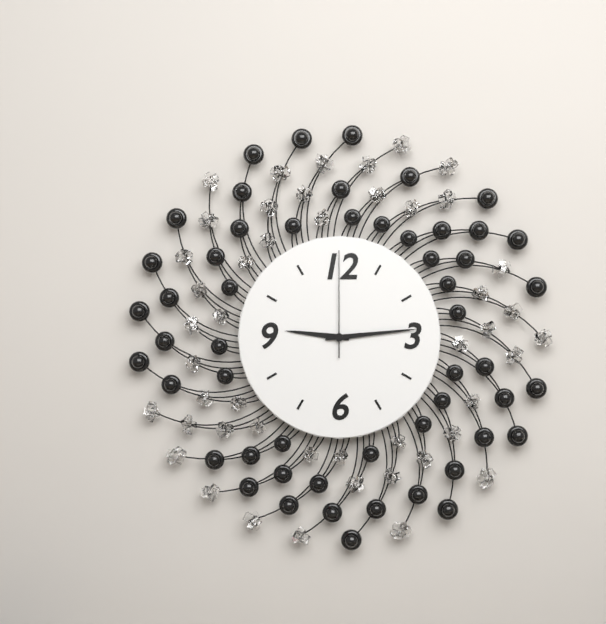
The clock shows 9.14.00
